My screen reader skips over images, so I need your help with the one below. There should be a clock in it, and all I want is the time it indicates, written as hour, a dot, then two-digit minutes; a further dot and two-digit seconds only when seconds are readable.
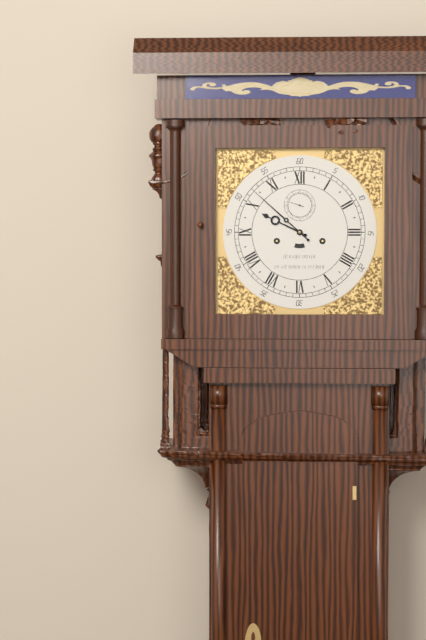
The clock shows 9.52
